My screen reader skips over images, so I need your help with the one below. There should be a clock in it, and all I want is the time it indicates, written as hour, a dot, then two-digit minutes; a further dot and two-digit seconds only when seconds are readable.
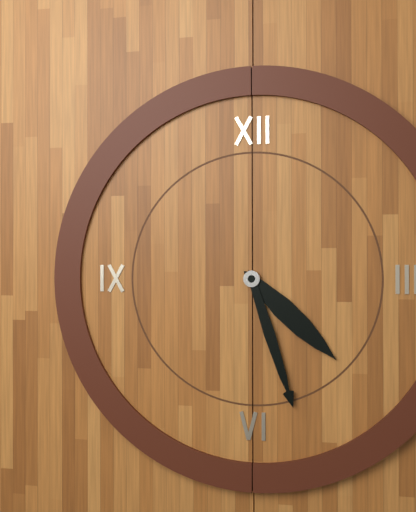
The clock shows 4.27
